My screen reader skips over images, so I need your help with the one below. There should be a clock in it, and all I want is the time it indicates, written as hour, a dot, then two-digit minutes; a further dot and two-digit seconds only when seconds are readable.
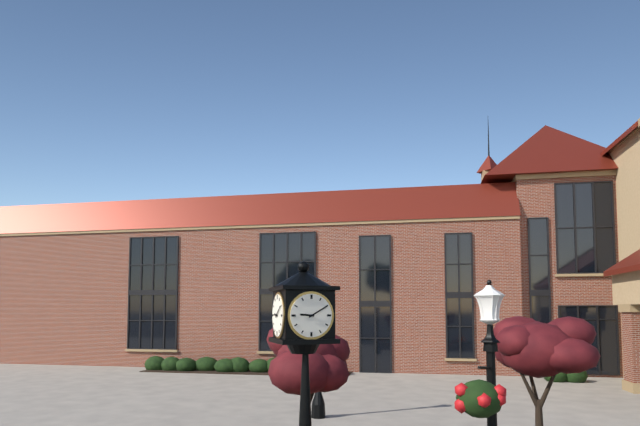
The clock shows 9.10
